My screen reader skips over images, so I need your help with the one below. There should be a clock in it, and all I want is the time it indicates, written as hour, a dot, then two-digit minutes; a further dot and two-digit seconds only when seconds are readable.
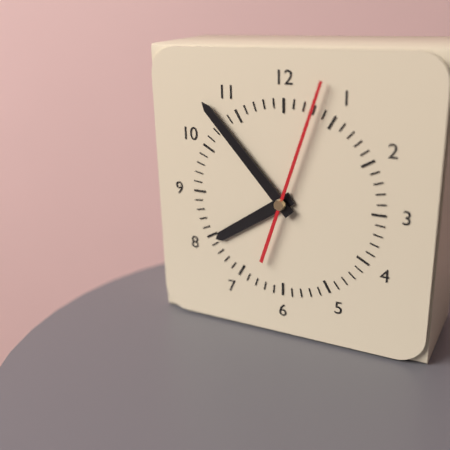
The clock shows 7.53.03
